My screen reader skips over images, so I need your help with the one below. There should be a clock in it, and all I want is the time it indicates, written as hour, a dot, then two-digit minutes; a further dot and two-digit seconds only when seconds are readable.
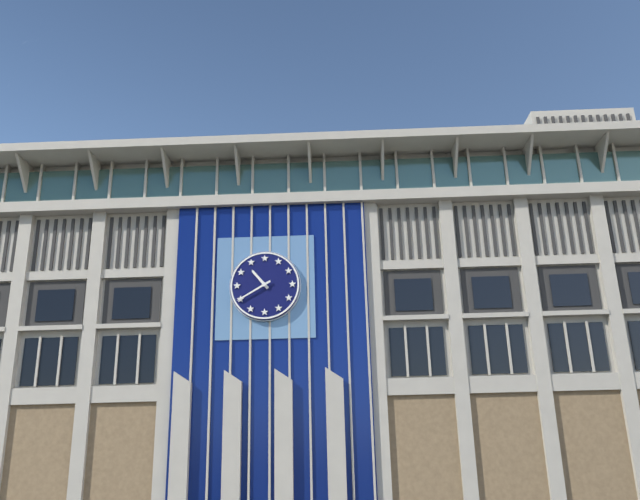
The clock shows 10.40
